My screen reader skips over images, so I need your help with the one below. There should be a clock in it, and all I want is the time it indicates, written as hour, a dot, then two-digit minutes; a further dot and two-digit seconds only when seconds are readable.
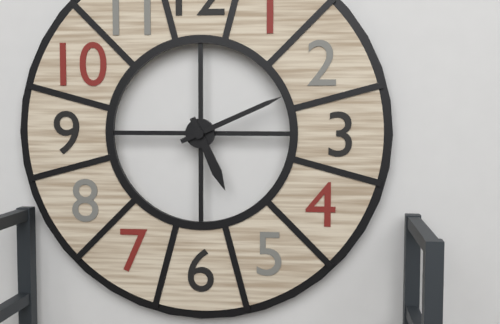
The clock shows 5.11
